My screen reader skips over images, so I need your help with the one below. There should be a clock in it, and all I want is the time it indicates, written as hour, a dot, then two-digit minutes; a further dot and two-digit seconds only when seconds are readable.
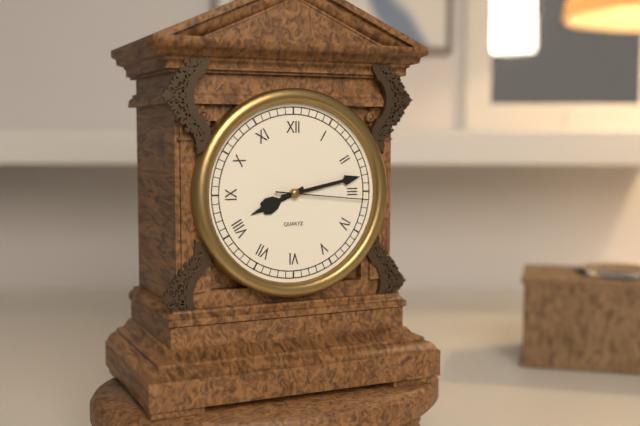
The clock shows 8.13.16
